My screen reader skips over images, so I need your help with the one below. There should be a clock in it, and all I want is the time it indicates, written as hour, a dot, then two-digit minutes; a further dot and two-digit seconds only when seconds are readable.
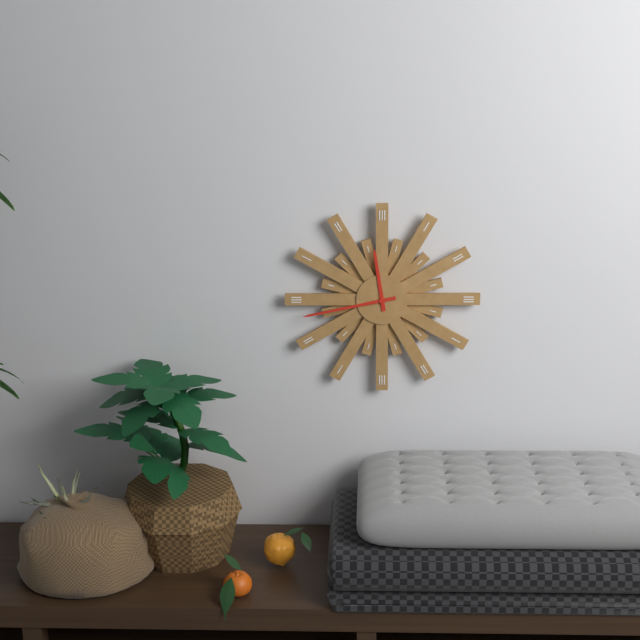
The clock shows 11.43
